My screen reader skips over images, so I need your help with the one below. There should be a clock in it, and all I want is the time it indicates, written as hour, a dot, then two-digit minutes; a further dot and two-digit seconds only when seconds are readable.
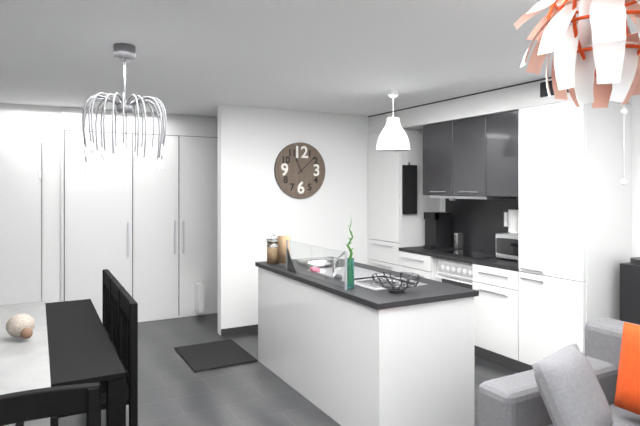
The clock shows 11.08
